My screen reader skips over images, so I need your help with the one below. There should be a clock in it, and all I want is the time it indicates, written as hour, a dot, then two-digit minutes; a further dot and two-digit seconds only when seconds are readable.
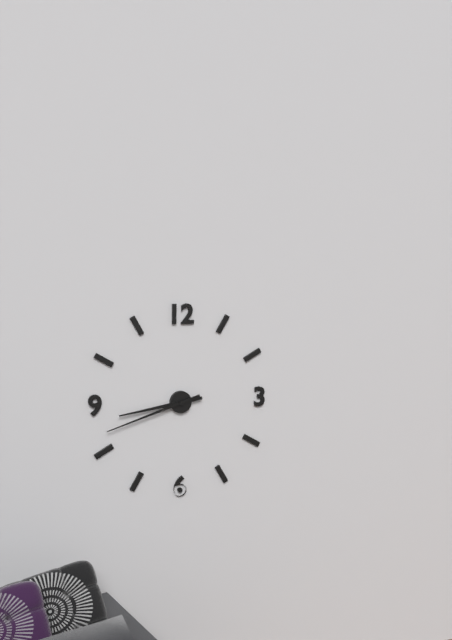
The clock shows 8.42
